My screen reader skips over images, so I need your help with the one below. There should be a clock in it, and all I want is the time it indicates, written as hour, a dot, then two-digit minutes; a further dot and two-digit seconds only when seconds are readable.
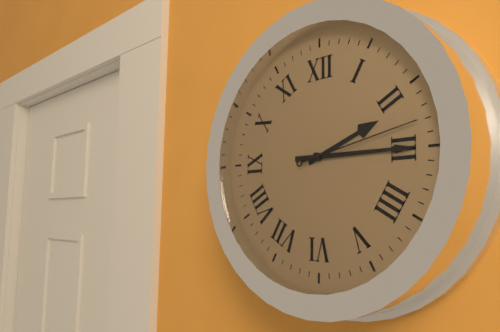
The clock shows 2.15.13
